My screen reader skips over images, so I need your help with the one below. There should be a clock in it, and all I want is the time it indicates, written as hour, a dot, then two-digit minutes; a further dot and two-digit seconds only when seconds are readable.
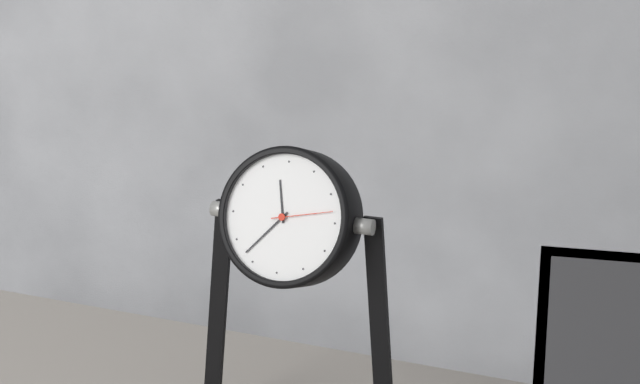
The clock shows 11.37.13
